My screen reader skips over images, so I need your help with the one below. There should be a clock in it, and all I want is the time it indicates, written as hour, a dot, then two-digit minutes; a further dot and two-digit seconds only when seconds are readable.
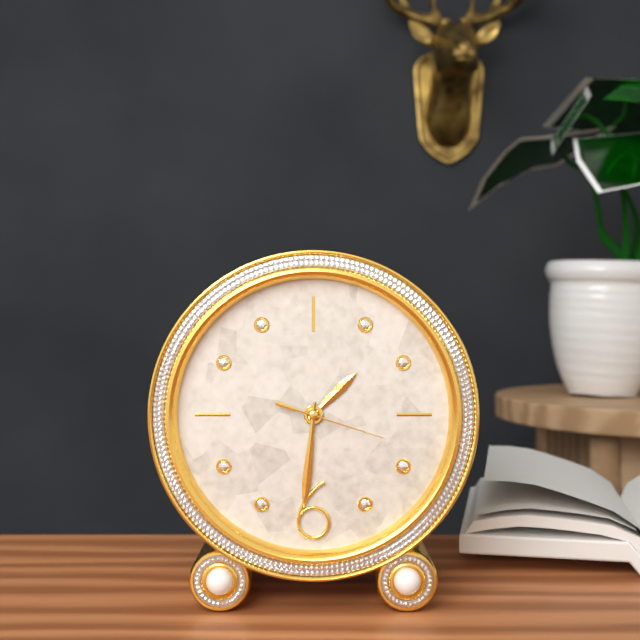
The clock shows 1.31.18
